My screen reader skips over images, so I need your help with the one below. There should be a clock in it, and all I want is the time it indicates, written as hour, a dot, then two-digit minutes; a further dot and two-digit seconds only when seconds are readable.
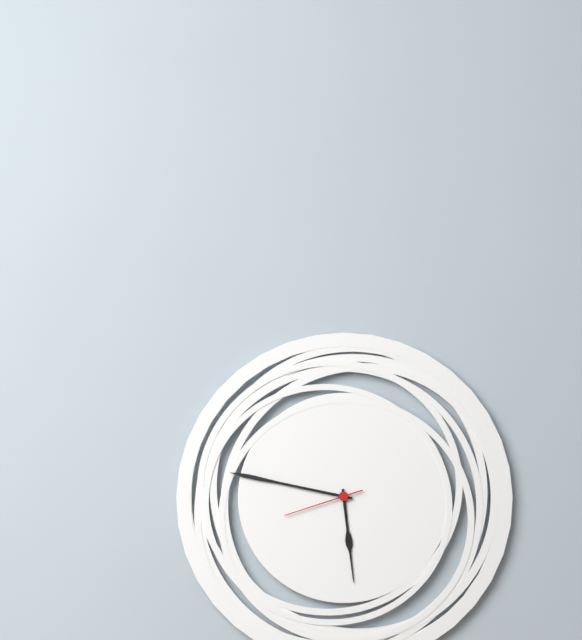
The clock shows 5.47.42
